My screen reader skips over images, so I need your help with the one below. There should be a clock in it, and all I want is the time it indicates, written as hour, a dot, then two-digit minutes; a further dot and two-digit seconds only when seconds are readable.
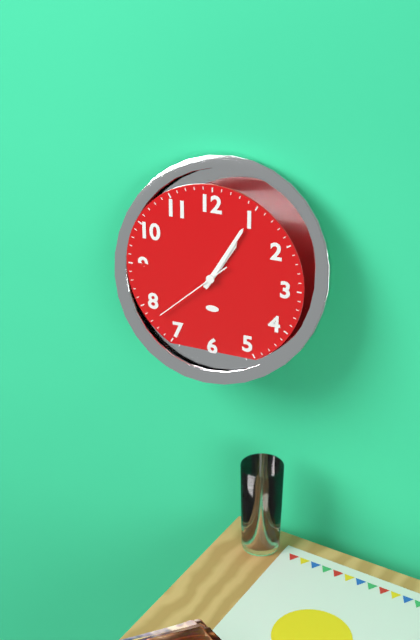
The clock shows 1.05.38
